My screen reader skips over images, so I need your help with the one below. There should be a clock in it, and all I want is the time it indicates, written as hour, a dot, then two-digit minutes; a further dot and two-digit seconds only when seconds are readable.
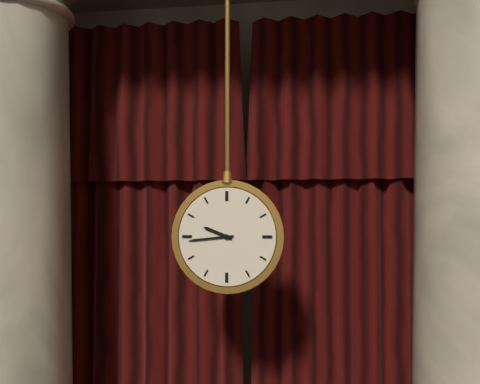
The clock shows 9.44
